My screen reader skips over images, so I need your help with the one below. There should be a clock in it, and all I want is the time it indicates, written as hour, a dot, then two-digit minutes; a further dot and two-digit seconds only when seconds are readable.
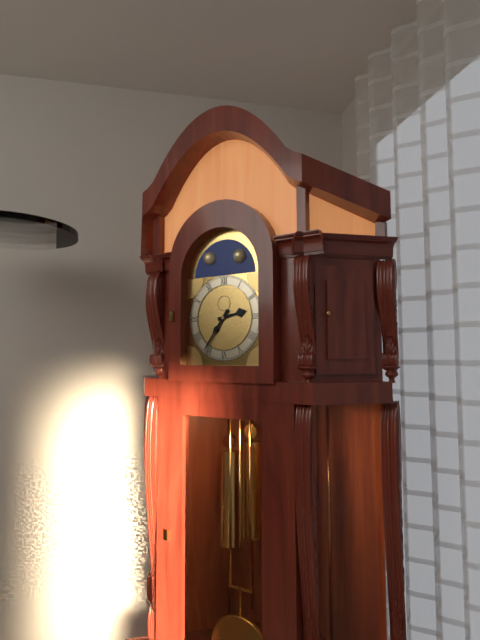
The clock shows 2.36
